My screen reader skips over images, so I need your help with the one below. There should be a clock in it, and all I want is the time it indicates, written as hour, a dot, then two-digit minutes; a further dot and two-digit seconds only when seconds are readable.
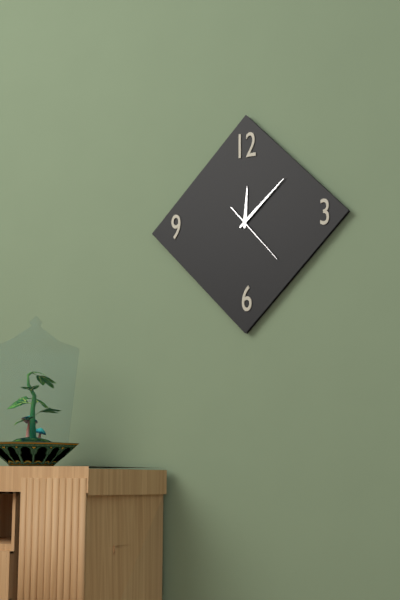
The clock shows 12.08.23
